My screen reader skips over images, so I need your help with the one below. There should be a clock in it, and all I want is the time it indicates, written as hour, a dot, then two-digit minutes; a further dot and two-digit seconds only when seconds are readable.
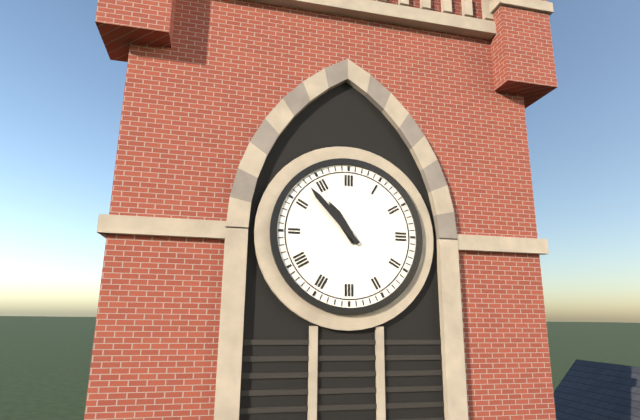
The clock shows 10.53
